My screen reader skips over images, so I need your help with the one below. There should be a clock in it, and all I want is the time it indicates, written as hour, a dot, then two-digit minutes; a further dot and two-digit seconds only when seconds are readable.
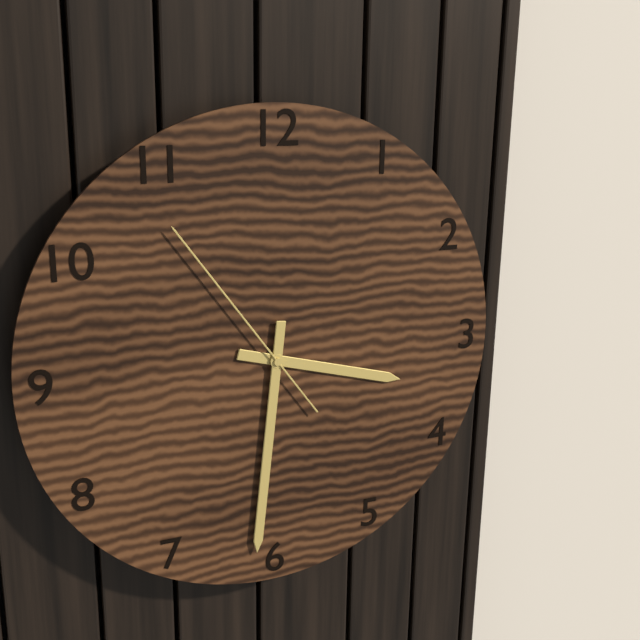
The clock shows 3.31.54
